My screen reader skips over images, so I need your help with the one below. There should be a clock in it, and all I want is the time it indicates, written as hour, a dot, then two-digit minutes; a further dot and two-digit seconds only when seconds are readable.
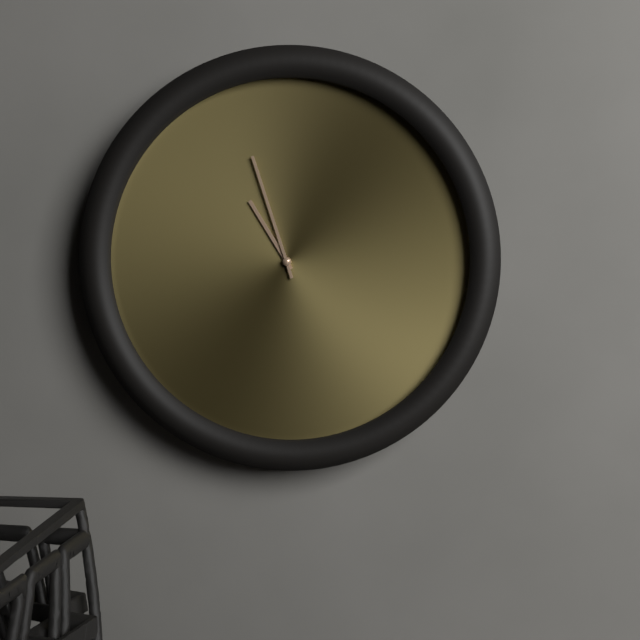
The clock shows 10.57
